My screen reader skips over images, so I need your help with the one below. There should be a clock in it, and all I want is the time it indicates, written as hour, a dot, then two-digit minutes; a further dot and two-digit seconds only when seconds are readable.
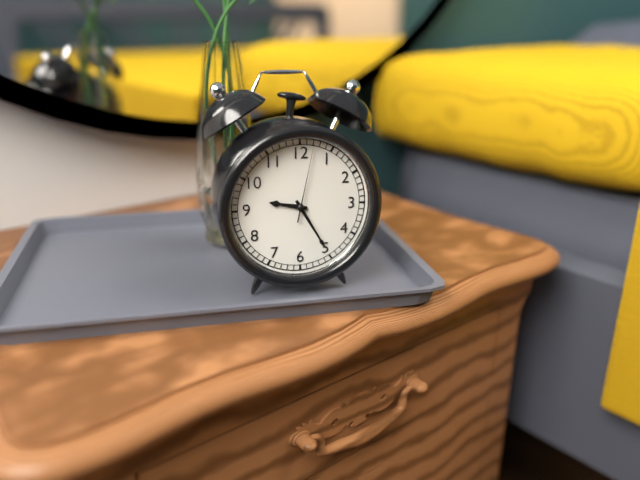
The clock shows 9.25.02
